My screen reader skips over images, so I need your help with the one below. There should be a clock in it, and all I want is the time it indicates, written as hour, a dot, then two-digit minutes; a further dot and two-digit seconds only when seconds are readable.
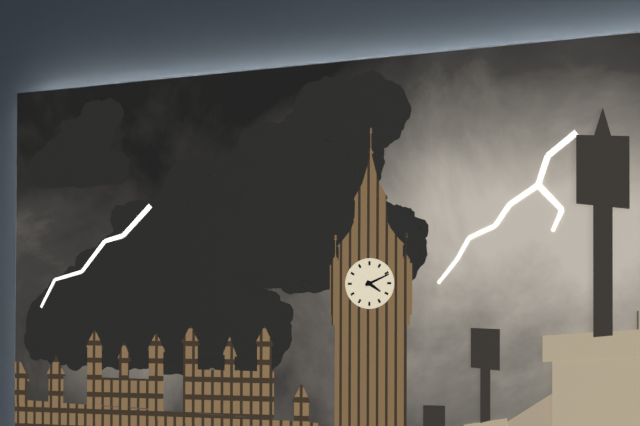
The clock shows 4.11
